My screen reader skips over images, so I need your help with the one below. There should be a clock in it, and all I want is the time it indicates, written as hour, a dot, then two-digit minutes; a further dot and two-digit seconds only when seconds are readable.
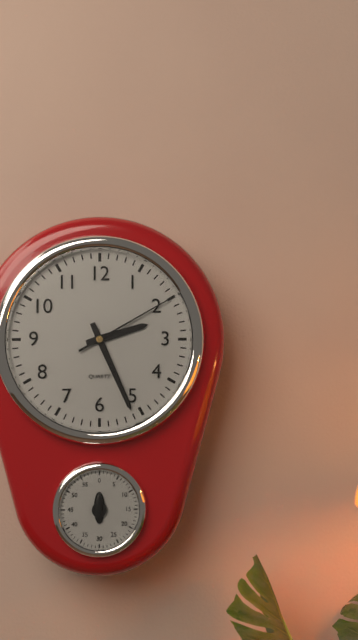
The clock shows 2.26.10
